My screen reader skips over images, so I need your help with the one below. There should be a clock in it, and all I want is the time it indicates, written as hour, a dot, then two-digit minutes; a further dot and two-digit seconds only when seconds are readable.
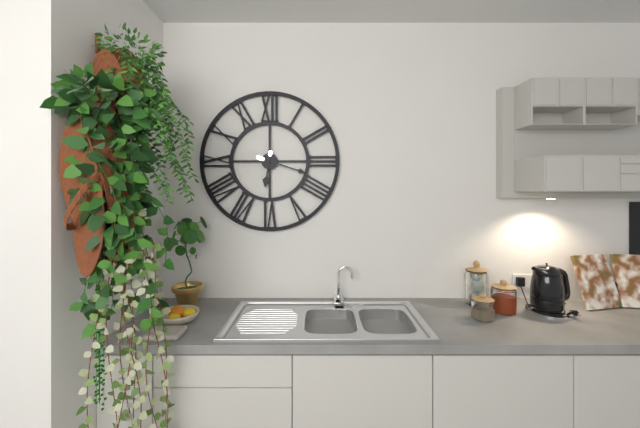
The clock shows 6.18
